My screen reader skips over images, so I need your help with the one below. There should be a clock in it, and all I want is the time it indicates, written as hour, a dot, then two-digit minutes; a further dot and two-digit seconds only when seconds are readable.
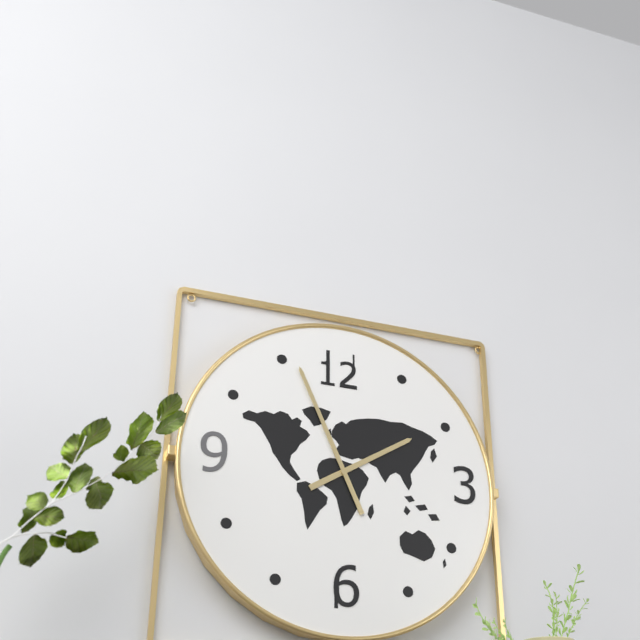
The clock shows 1.56
